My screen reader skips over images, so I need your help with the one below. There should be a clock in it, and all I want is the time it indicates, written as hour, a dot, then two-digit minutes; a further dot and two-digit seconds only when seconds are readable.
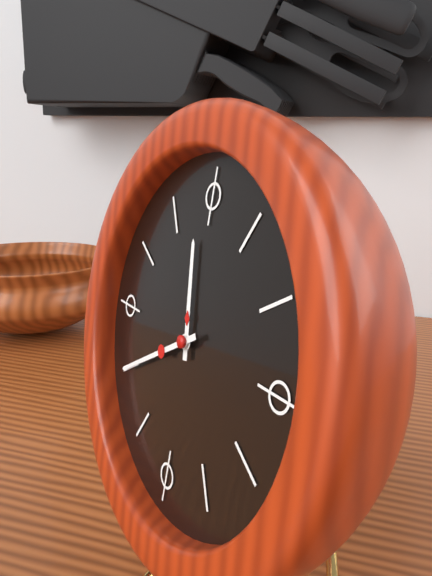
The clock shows 11.40
